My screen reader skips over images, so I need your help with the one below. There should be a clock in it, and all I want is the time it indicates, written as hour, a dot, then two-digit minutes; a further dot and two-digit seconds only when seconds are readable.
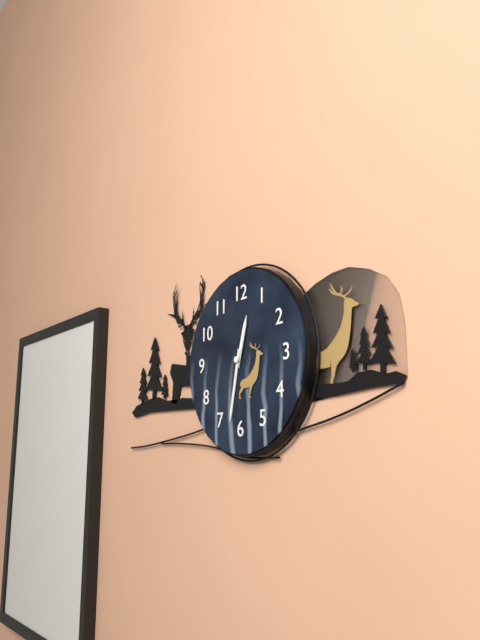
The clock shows 12.32
